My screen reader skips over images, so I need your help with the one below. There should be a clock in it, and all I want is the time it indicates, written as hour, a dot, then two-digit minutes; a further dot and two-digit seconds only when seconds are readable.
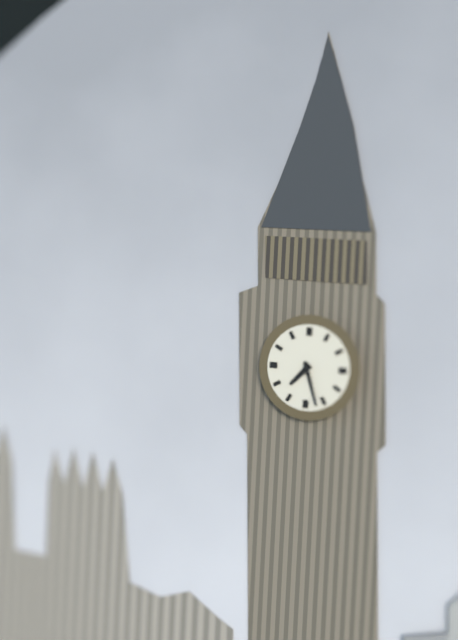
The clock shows 7.27
